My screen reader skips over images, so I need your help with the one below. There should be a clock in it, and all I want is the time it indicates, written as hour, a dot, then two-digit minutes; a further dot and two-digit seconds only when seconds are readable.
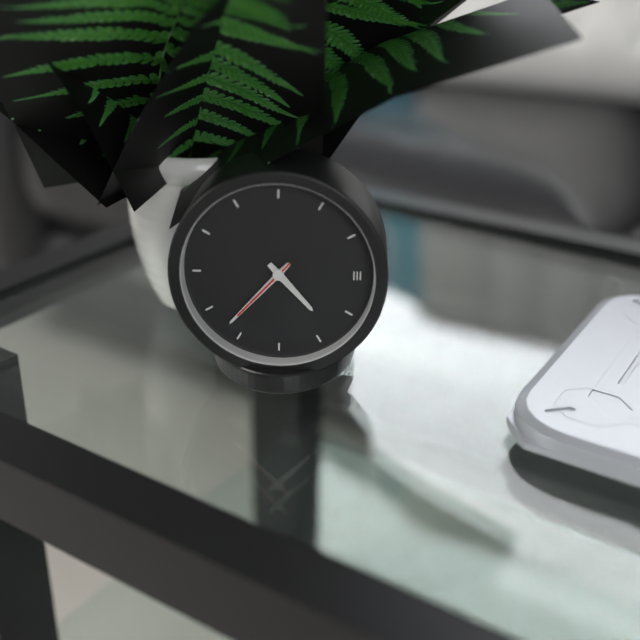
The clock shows 4.37.37
